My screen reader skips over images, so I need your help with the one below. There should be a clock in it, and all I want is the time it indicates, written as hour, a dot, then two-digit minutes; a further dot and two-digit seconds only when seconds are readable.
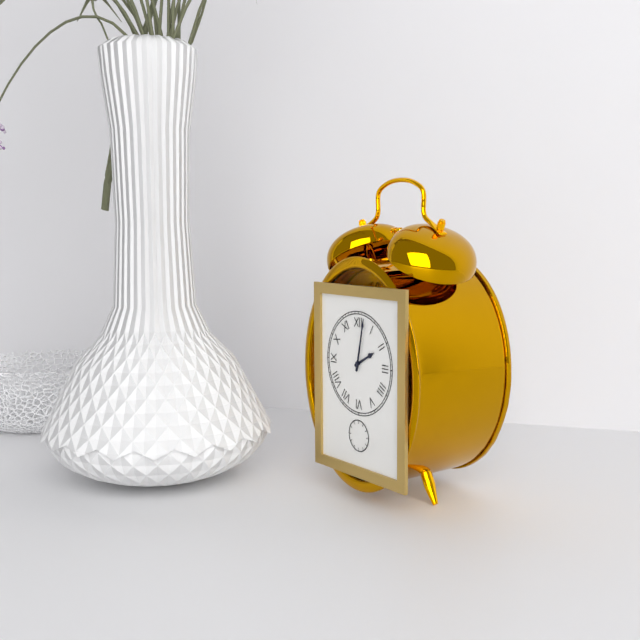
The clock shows 2.02
